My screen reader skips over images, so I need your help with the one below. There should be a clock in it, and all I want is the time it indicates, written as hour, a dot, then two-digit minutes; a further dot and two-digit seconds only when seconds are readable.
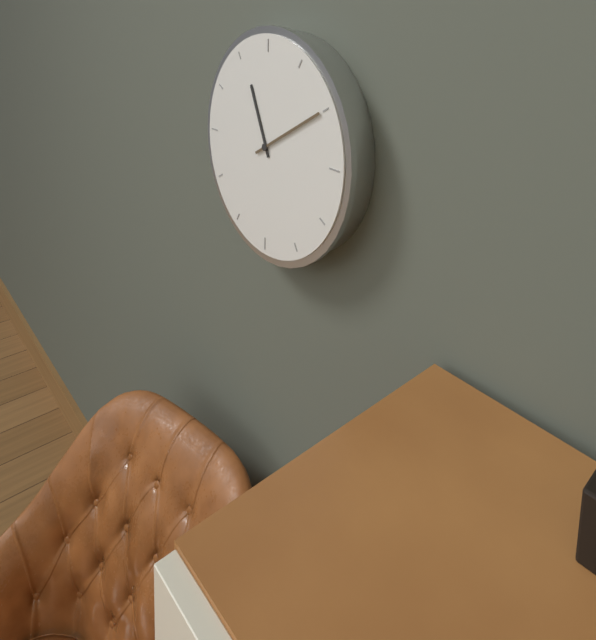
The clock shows 11.10
